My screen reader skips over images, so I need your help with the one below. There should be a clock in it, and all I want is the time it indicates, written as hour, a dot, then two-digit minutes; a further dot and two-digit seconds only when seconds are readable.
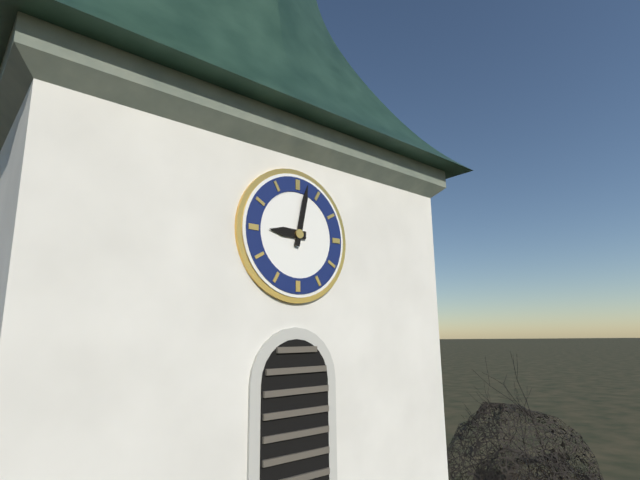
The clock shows 9.02
